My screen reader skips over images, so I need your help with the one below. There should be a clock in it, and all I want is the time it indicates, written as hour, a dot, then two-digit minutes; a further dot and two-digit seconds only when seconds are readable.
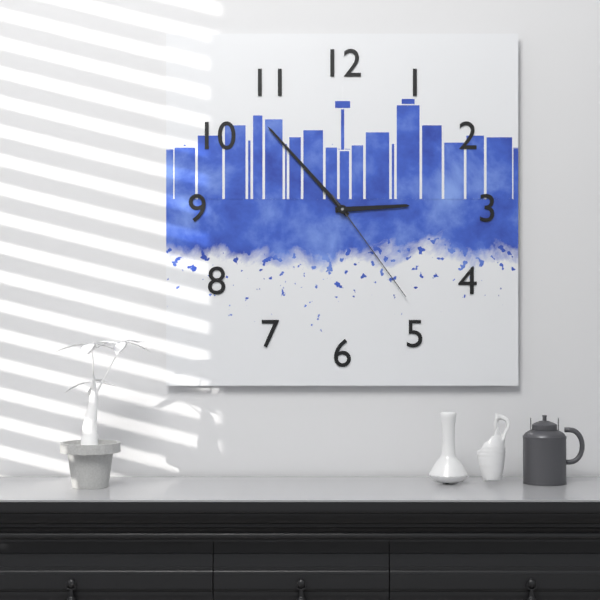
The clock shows 2.53.24
